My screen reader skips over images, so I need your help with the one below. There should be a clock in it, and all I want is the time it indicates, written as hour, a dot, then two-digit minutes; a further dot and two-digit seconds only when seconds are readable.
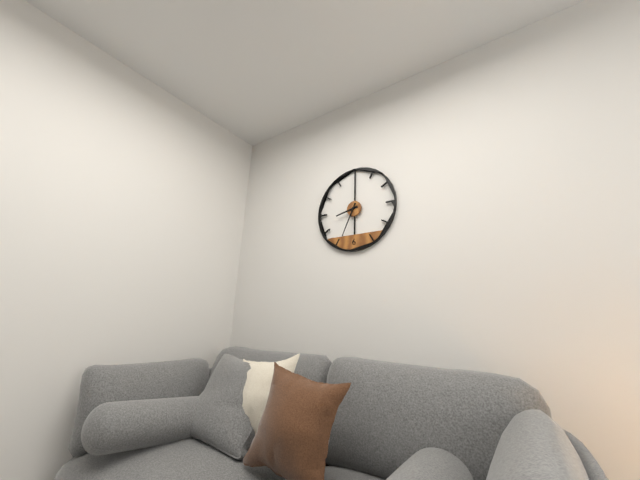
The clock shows 8.34
